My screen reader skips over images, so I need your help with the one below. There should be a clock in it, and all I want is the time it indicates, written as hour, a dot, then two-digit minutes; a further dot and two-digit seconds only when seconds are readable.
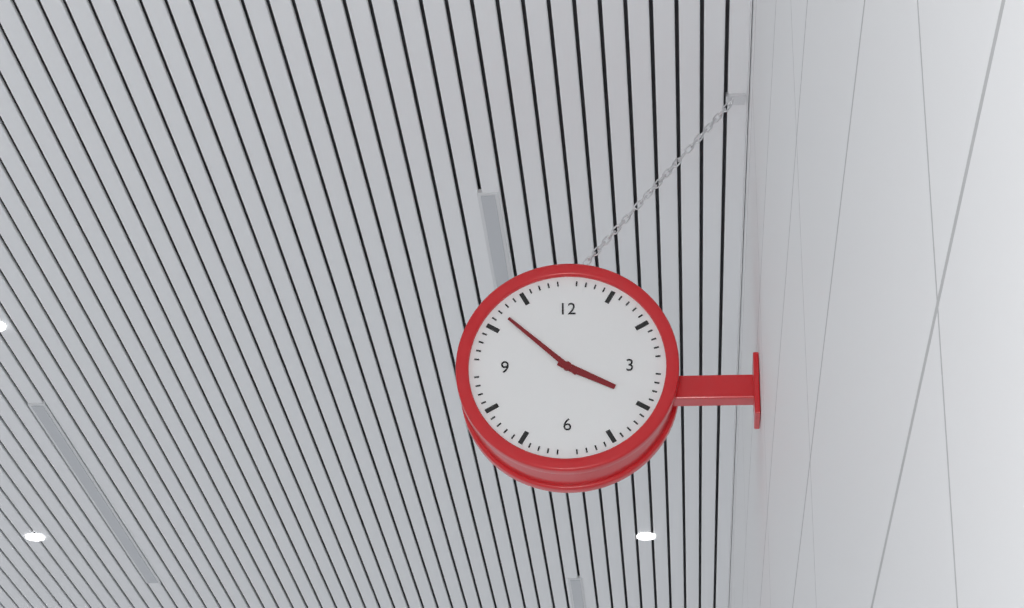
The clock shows 3.52
